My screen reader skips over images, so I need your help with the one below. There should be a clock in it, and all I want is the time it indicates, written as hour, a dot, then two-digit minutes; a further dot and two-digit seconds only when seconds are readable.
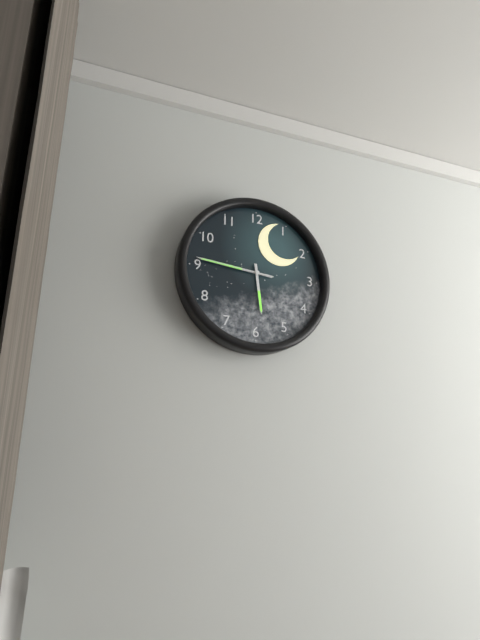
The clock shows 5.46.46
